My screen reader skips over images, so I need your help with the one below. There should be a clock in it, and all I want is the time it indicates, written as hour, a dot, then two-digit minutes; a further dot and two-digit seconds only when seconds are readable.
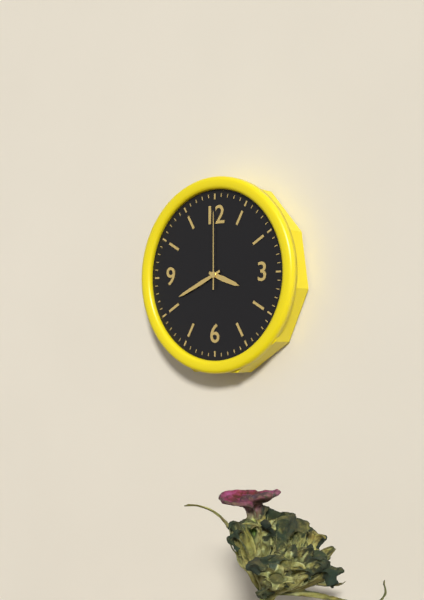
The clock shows 3.41.00
